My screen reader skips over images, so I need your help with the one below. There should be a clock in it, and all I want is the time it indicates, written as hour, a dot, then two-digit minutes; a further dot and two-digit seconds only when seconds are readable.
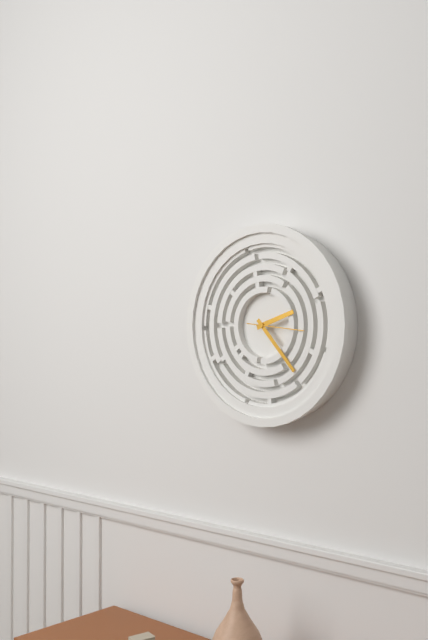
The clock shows 2.23
